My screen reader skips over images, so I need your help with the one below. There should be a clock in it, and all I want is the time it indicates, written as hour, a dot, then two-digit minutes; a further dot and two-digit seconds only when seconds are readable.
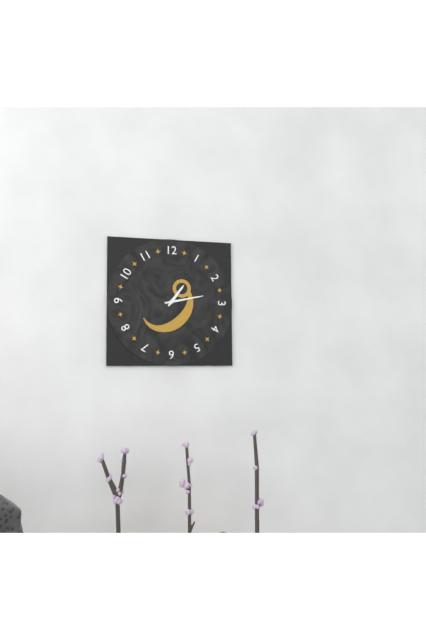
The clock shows 1.13
